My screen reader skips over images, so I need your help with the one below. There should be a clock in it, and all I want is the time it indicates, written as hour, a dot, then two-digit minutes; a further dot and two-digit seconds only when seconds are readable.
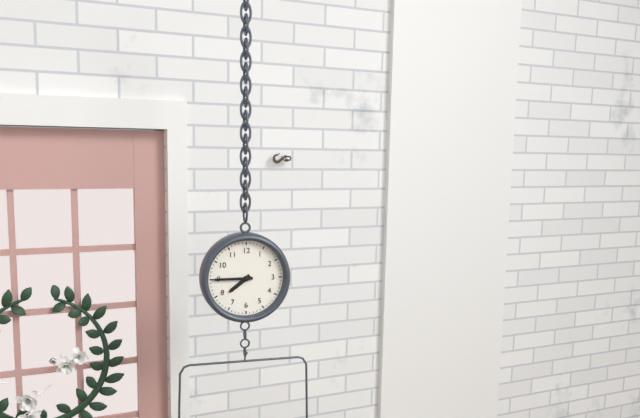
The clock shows 7.45
